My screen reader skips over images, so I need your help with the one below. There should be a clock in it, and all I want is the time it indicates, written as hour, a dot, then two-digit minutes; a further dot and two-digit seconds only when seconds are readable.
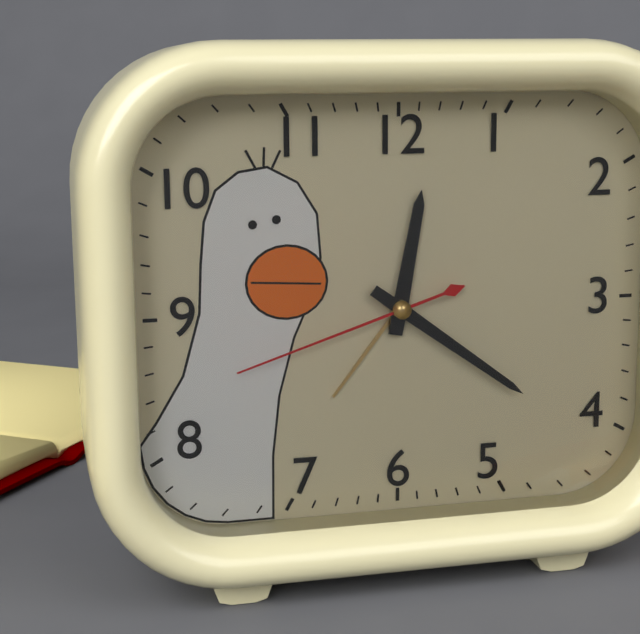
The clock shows 12.21.42
